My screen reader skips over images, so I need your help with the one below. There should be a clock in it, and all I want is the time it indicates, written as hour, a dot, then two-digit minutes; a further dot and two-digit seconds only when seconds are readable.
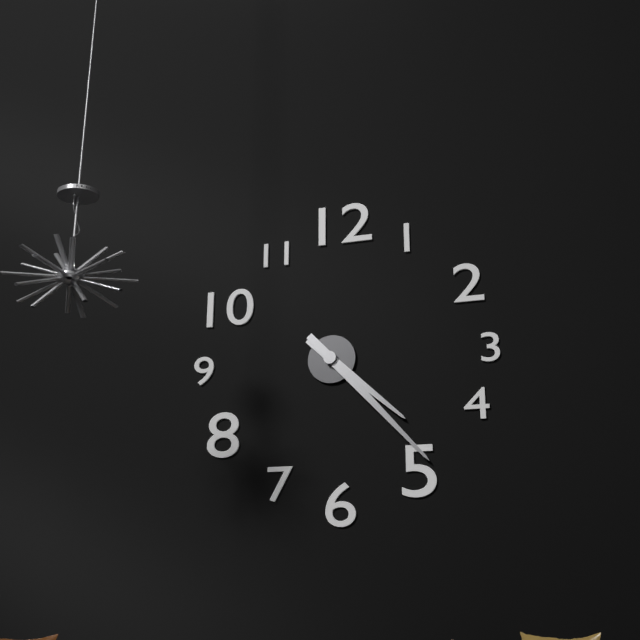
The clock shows 4.23
